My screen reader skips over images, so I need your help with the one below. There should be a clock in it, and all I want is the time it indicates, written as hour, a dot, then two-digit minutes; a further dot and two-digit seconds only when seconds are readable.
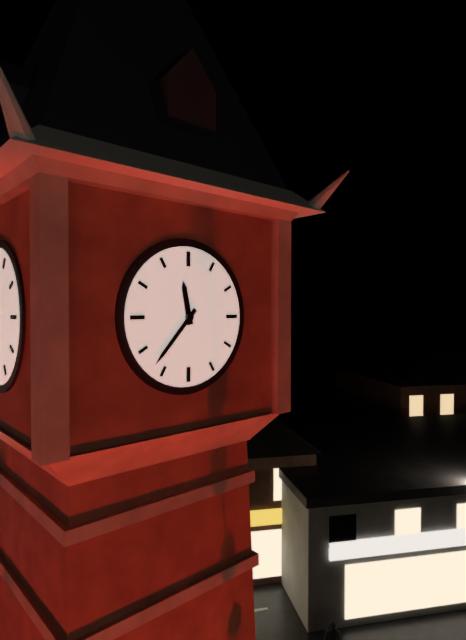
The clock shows 11.37
